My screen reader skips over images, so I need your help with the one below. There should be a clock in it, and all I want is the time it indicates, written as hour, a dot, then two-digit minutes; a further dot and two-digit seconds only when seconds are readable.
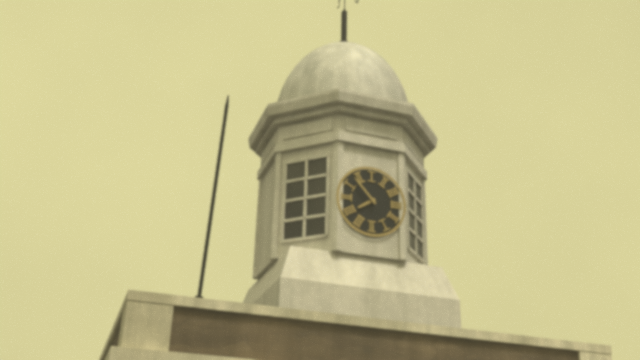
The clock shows 7.53
